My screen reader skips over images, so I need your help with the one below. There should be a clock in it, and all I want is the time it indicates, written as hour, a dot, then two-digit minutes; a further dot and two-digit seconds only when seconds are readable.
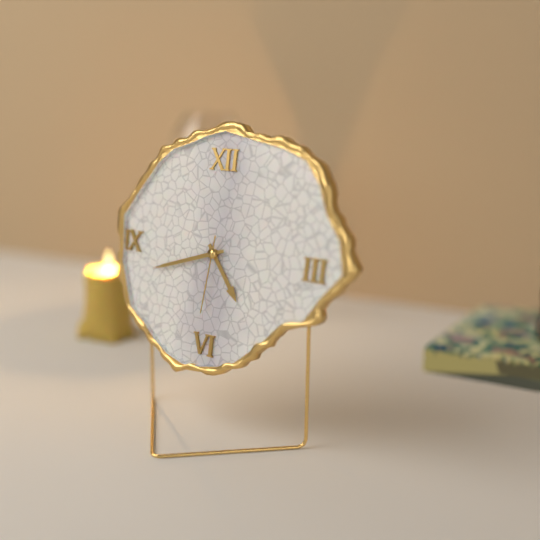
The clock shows 4.42.31
